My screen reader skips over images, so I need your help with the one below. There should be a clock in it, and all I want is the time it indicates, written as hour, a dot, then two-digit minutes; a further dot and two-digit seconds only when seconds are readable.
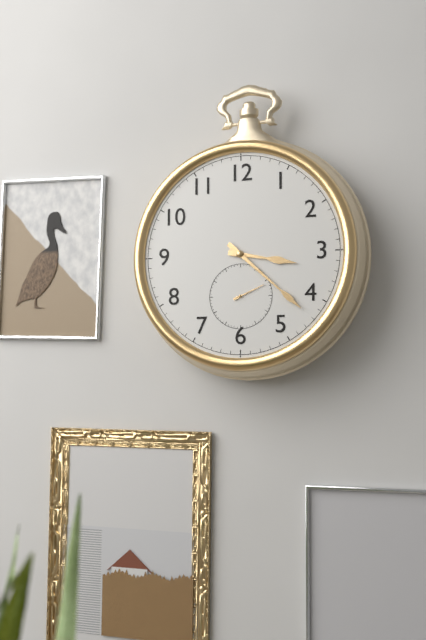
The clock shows 3.22
